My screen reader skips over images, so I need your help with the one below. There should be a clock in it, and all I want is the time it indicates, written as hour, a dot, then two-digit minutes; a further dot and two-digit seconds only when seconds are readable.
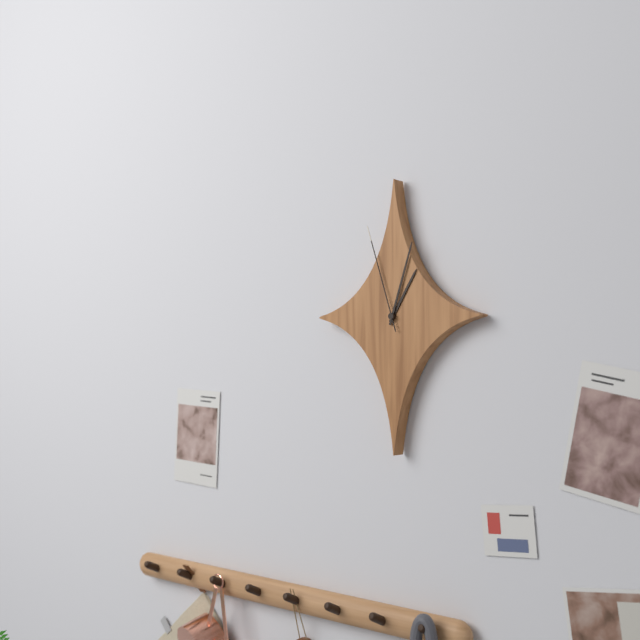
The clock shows 1.03.57
